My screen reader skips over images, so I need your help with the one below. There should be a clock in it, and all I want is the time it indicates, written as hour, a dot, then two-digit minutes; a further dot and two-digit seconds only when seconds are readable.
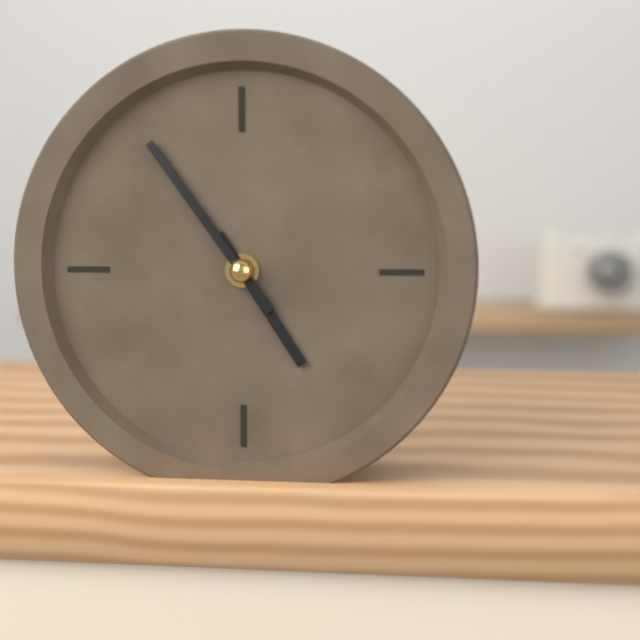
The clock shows 4.54
